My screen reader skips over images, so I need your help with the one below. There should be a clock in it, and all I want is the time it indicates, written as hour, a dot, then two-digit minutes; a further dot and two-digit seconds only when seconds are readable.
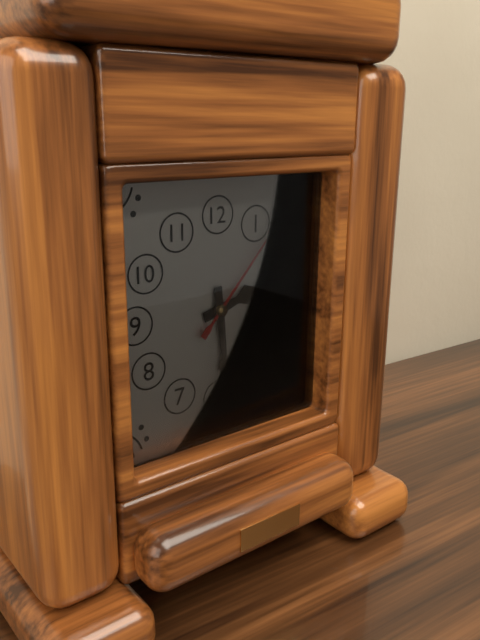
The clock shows 2.29.07
